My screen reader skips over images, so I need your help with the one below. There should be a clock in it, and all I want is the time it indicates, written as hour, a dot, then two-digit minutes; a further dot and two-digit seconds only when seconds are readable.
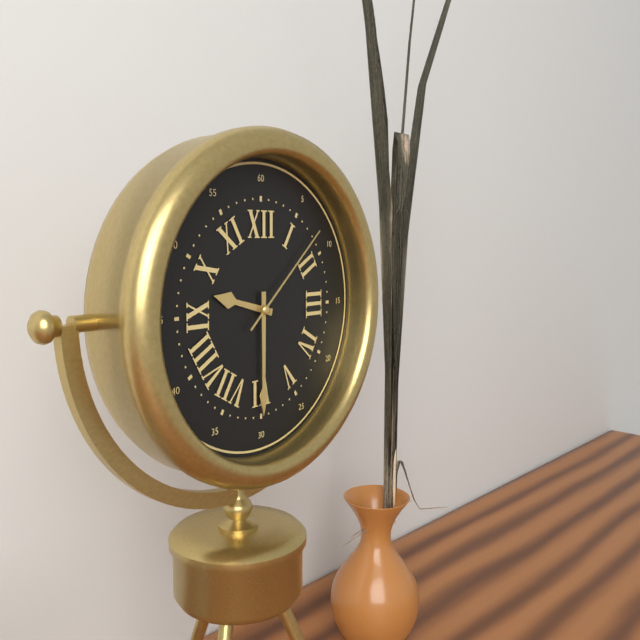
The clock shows 9.30.08
